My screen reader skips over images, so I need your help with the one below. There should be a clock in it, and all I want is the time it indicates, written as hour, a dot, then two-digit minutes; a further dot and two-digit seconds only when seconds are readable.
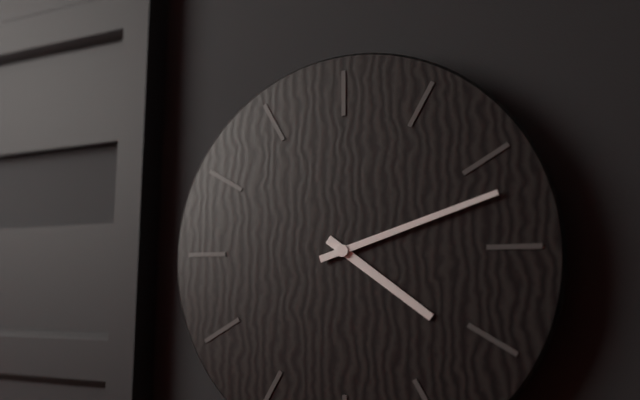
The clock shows 4.12
